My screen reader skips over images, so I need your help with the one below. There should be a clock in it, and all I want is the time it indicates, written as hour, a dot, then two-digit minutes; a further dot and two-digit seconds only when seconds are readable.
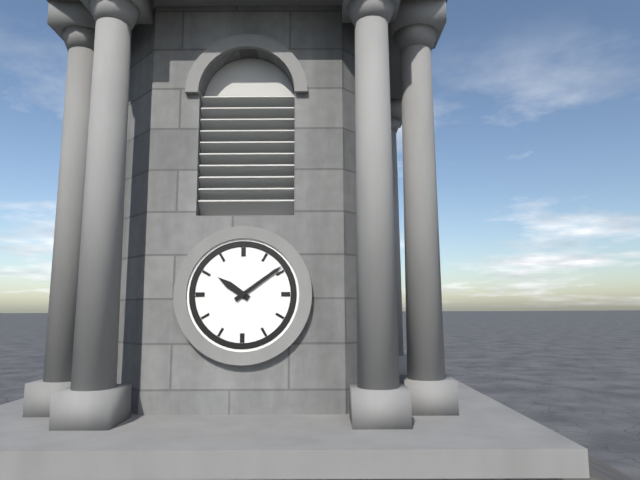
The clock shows 10.09
